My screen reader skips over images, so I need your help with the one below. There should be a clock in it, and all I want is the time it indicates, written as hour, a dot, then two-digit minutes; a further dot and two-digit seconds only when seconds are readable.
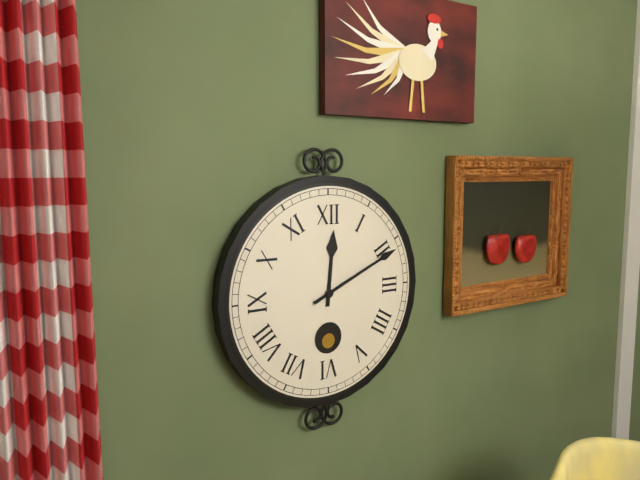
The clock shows 12.11
